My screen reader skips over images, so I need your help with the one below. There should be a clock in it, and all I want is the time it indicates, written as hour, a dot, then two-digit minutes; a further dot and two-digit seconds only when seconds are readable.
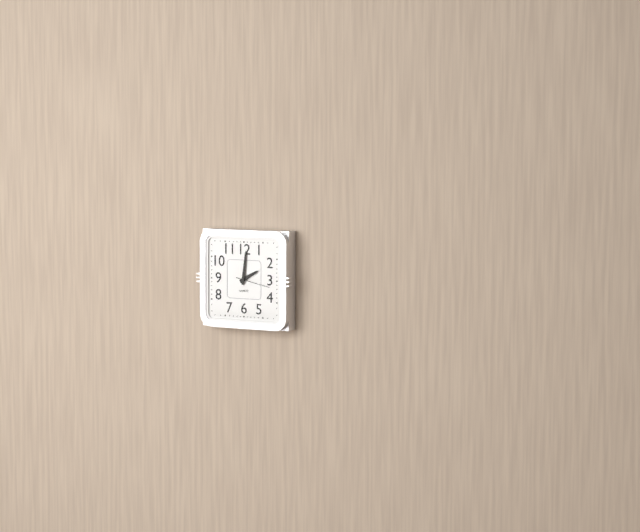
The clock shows 2.01
